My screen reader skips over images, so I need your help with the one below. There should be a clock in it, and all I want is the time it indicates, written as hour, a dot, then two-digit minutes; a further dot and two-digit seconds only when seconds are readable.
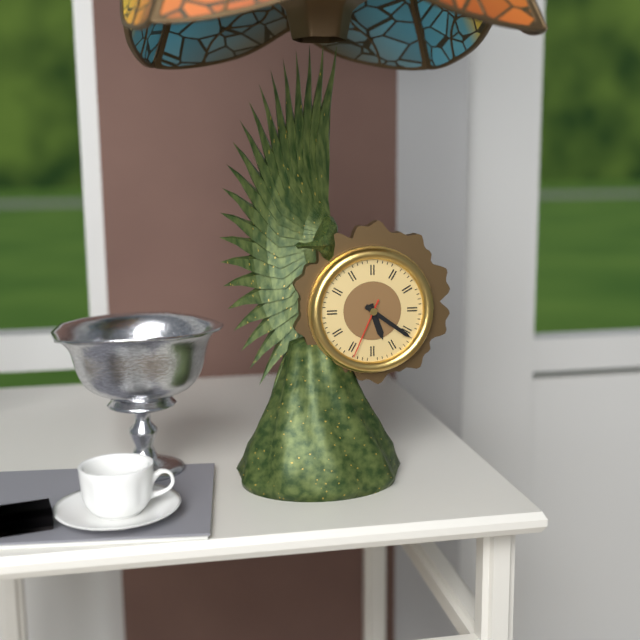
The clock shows 5.21.34
